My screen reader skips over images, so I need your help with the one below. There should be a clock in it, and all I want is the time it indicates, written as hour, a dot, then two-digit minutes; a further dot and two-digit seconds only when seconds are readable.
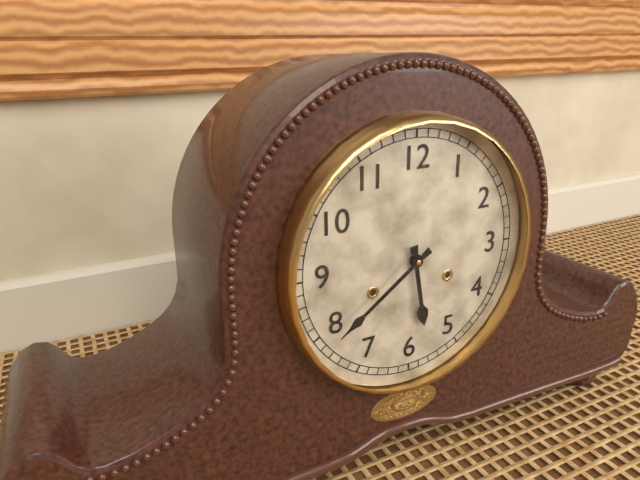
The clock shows 5.39
